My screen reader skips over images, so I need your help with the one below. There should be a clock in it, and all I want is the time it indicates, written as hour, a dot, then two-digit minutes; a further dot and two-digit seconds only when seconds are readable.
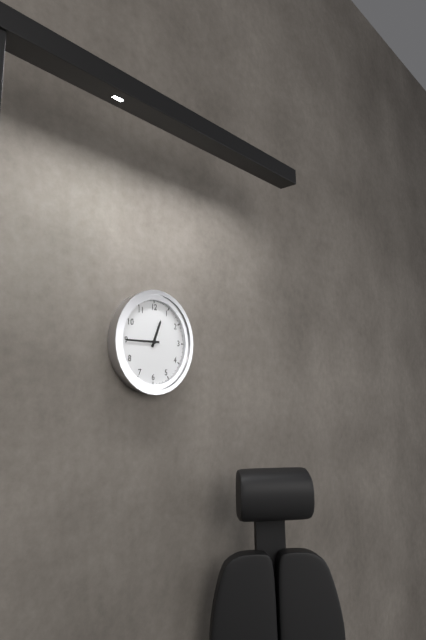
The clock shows 12.45
